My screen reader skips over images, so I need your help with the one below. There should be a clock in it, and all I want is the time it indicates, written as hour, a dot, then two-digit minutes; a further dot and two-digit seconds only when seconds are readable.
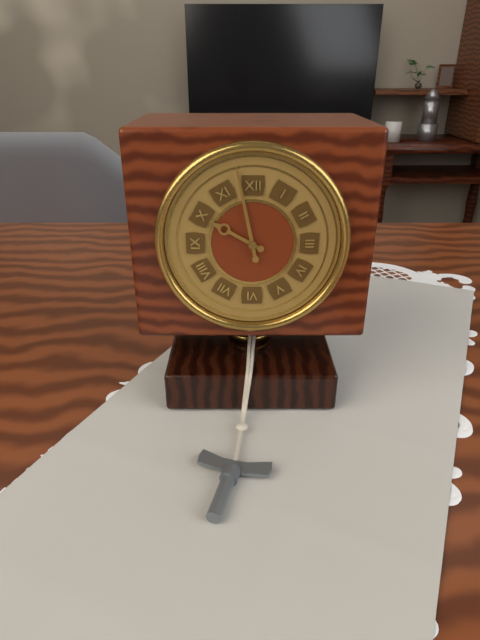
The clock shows 9.58
